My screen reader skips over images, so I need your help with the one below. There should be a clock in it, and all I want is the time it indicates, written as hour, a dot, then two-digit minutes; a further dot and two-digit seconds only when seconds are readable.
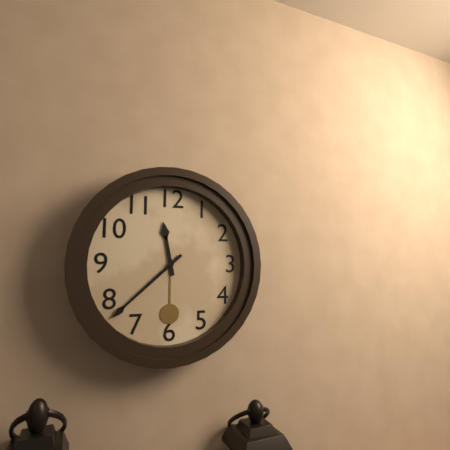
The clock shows 11.38
